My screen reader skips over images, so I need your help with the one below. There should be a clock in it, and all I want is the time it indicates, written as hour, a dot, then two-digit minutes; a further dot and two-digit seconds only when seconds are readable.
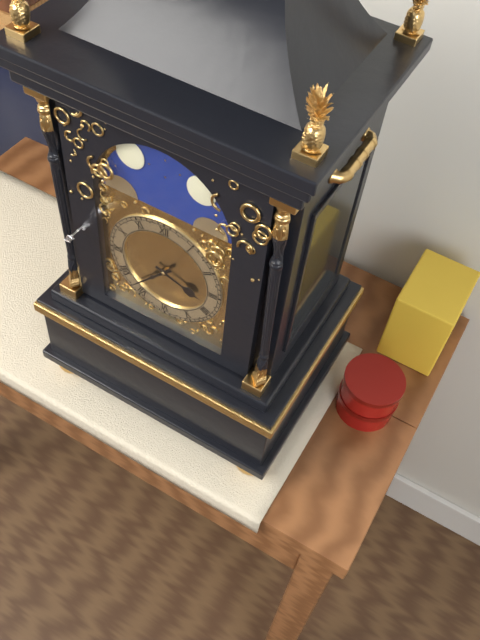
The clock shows 3.37
